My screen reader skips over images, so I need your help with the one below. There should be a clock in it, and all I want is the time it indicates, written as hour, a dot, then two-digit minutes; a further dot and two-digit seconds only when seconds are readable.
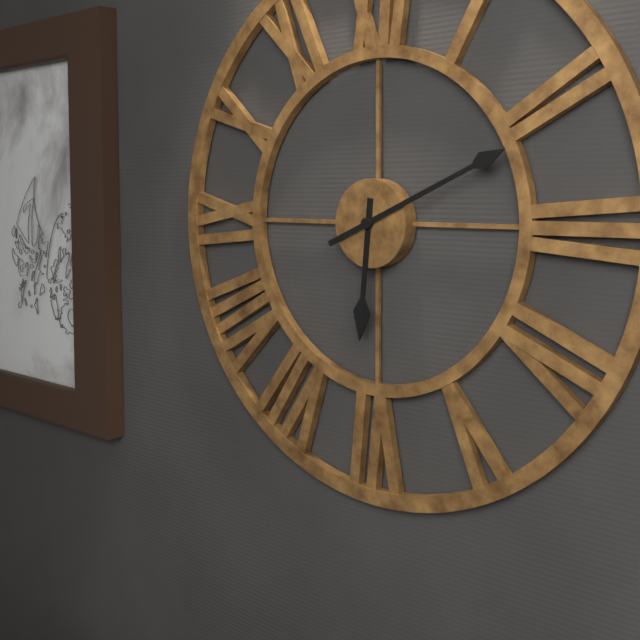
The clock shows 6.11
